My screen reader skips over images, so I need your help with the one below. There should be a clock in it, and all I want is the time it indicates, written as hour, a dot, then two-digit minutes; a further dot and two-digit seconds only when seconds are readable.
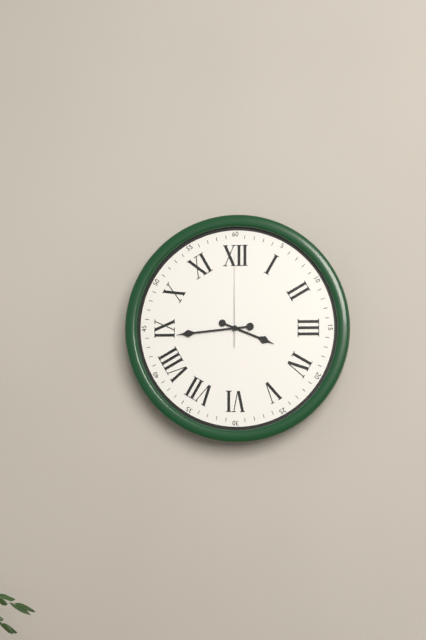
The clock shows 3.44.00
